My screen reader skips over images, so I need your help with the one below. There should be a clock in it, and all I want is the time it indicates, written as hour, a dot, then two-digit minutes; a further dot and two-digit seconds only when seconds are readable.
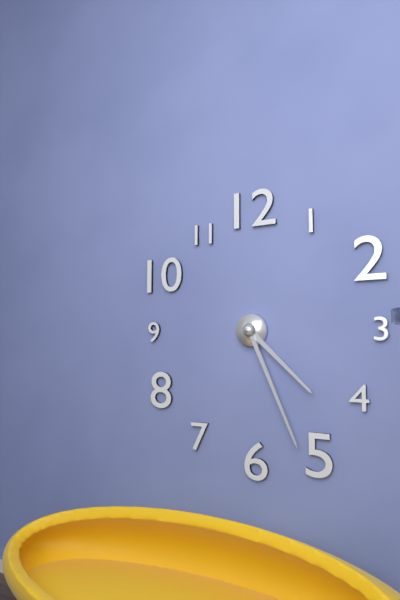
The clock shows 4.26
